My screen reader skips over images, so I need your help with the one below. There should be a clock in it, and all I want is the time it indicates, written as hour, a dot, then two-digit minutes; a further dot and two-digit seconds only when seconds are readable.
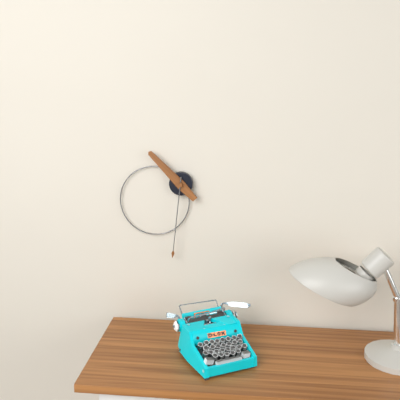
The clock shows 10.31
